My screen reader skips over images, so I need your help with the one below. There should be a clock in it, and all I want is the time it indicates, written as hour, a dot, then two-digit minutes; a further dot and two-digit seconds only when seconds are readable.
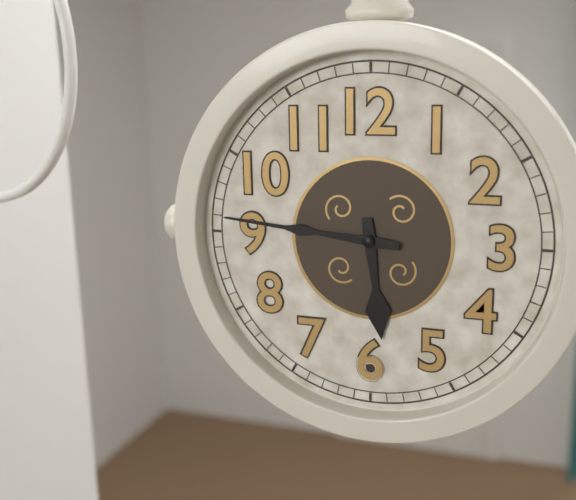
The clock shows 5.46
